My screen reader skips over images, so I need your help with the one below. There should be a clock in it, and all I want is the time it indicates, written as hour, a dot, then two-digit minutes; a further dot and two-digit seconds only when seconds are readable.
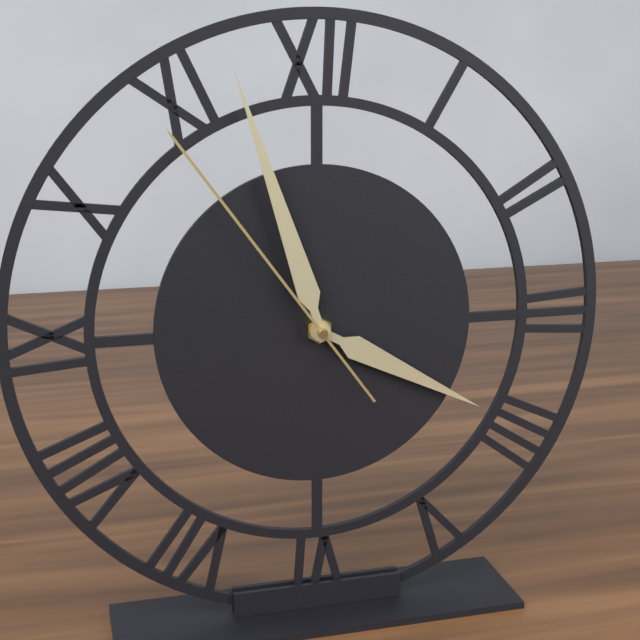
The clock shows 3.57.54
